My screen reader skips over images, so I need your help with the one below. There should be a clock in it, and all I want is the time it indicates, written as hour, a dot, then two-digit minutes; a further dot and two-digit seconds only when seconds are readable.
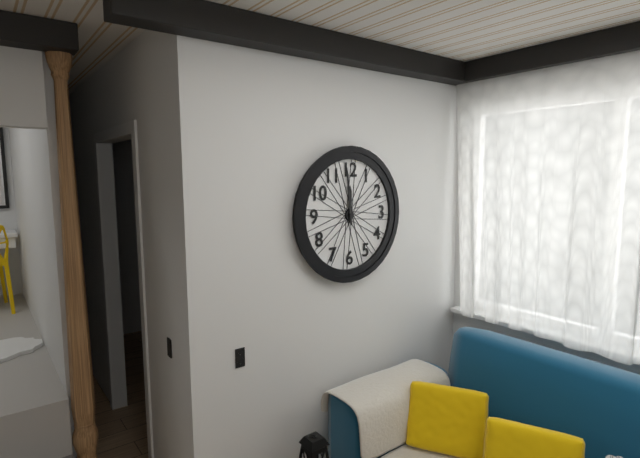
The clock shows 11.59
